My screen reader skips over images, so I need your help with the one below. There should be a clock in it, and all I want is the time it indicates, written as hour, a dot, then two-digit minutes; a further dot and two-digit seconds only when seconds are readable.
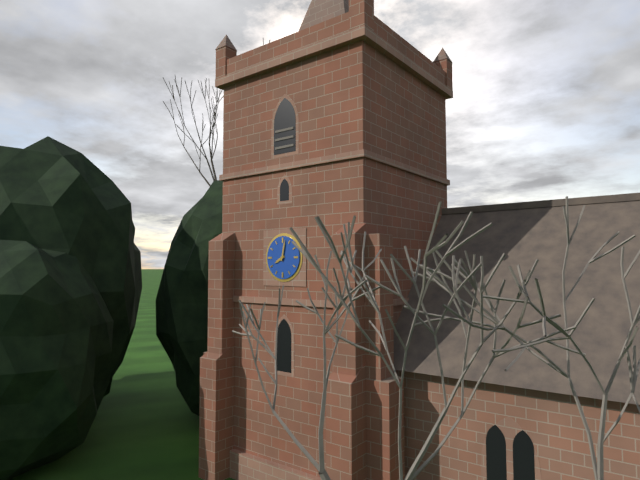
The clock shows 8.02
